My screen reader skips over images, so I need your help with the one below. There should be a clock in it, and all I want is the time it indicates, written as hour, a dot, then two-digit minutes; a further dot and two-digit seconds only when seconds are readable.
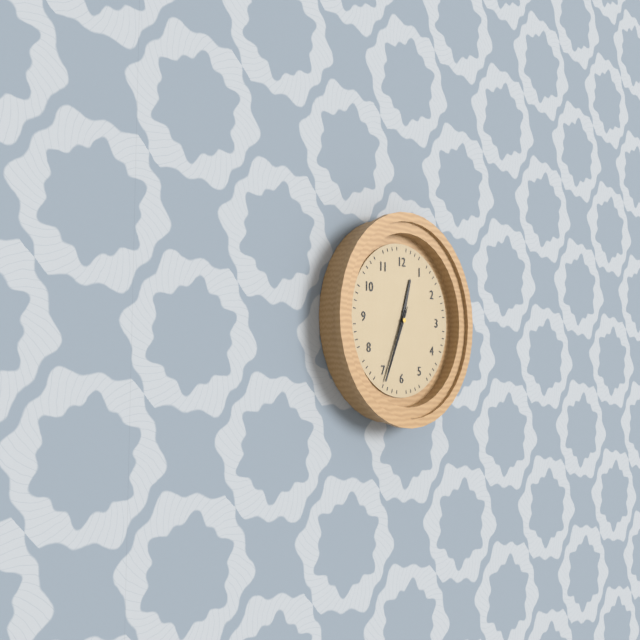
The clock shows 12.34.34
